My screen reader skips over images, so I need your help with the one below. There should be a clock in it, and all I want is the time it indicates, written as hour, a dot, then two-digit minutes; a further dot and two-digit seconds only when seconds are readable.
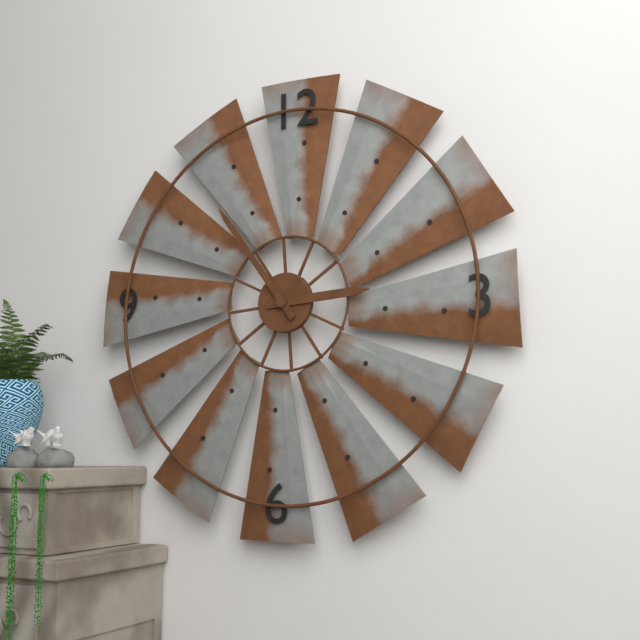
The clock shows 2.54
